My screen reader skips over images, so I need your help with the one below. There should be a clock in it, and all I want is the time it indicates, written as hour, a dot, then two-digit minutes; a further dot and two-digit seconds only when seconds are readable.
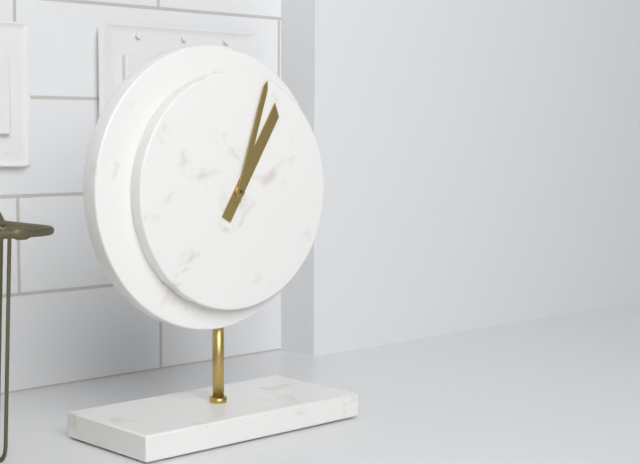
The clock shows 1.03
